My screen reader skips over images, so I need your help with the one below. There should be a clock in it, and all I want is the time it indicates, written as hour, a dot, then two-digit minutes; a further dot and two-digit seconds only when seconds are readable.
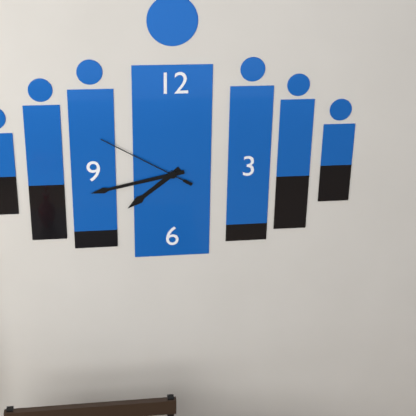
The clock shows 7.43.50
